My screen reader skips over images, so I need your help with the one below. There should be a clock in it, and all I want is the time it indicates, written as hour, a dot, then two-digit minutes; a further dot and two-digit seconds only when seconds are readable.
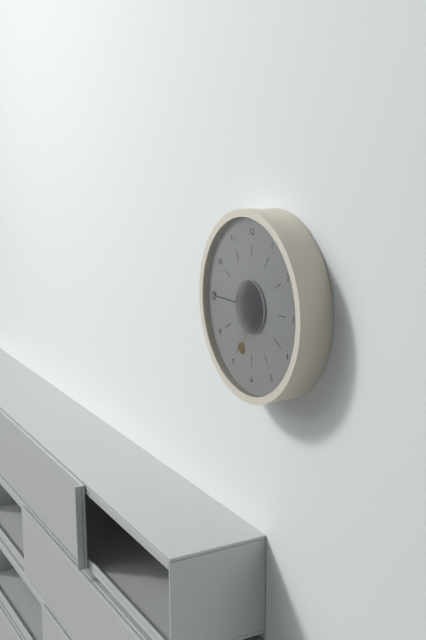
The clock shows 6.45
